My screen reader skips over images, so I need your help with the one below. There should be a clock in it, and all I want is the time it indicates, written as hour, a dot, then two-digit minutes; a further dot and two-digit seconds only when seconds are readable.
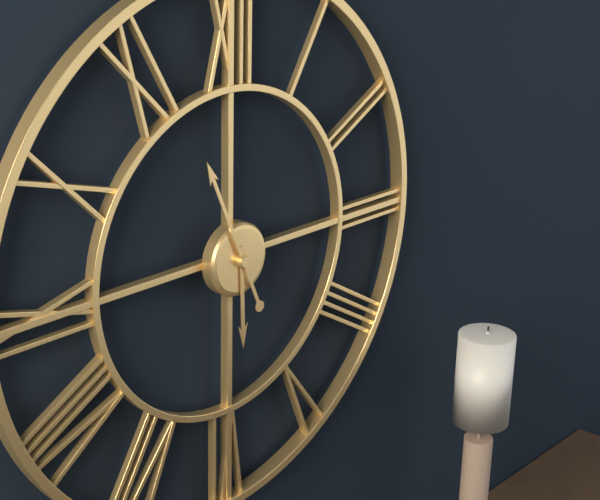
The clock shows 5.56
